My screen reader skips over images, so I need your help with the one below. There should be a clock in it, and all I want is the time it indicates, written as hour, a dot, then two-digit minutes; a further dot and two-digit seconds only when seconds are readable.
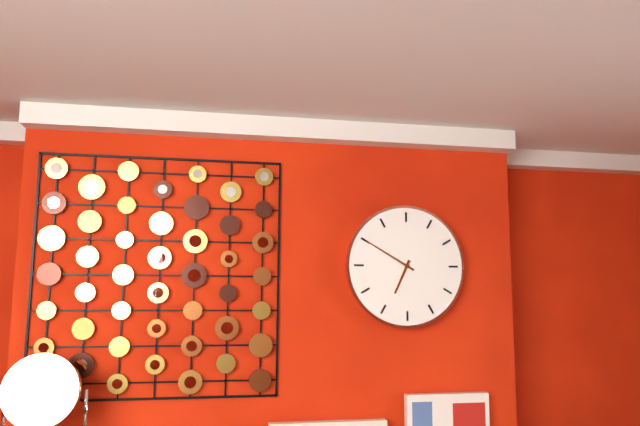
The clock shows 6.50
